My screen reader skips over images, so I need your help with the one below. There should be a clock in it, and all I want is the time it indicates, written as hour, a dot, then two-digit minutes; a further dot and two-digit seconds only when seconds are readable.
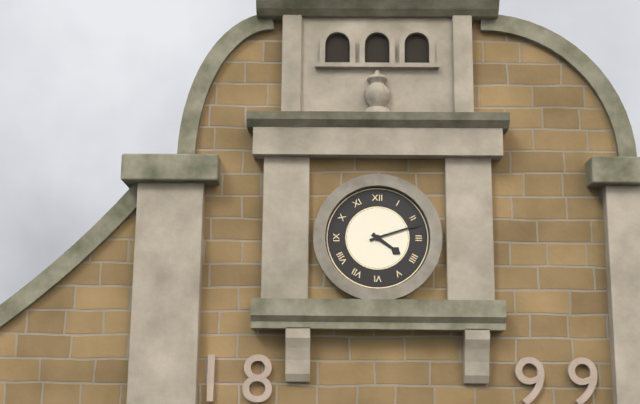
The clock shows 4.12
